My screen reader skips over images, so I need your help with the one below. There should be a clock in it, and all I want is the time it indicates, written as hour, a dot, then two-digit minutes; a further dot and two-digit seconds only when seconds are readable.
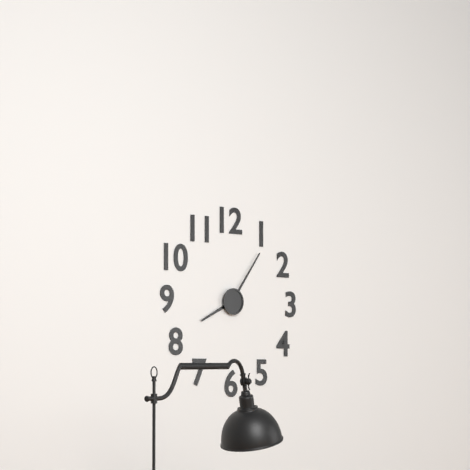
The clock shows 8.06
